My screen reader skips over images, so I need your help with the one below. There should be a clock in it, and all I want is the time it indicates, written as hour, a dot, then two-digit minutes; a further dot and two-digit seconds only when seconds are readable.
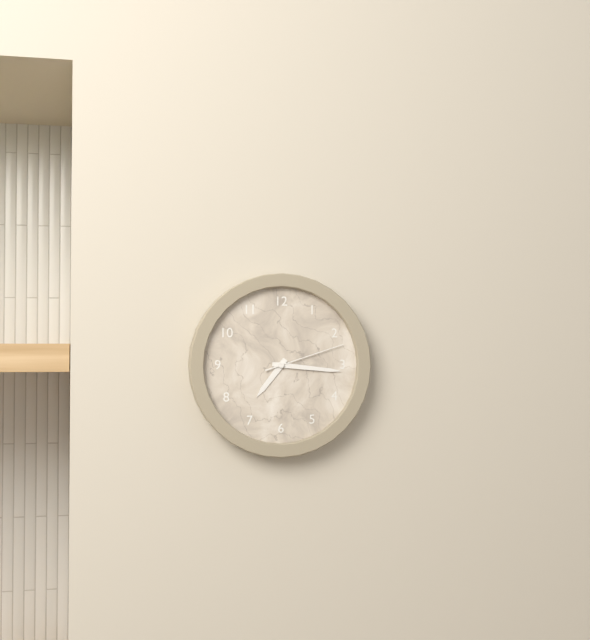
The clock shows 7.16.12
